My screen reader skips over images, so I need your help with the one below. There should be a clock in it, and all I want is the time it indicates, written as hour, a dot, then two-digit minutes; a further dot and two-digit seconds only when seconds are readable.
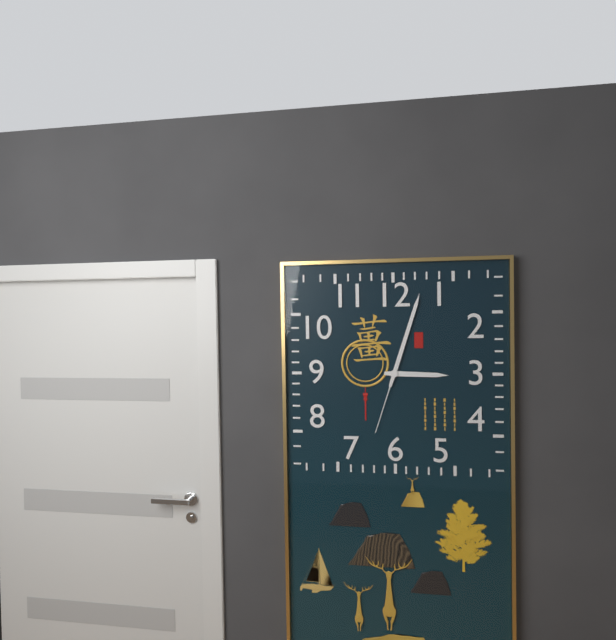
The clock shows 3.03.33
